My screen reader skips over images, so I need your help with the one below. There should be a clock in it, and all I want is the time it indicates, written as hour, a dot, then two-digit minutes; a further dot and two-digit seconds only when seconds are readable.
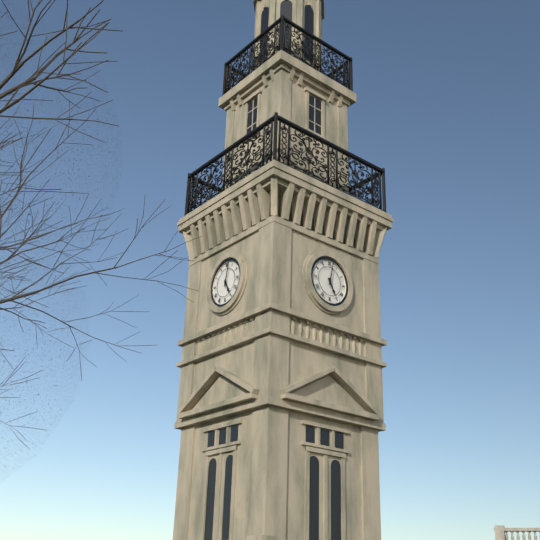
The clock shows 5.02
